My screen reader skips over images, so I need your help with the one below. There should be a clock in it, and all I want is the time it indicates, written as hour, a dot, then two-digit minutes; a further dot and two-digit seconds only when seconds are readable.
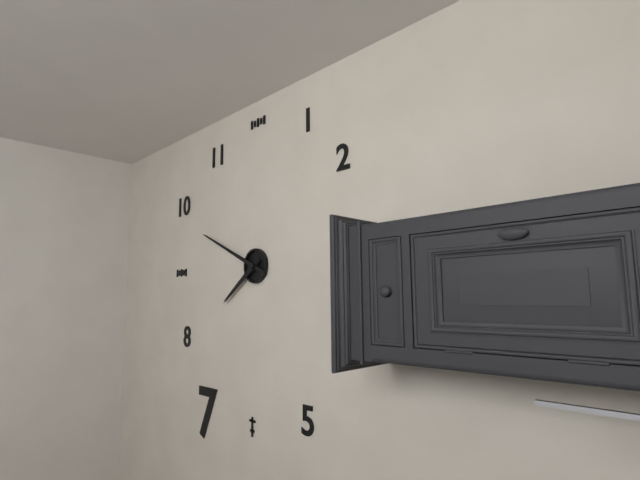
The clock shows 7.49
